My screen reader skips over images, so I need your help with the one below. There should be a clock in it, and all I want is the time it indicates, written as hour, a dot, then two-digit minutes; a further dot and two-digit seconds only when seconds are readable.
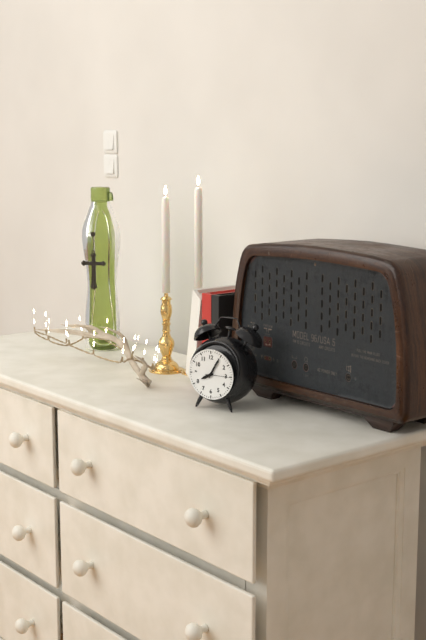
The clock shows 8.05
